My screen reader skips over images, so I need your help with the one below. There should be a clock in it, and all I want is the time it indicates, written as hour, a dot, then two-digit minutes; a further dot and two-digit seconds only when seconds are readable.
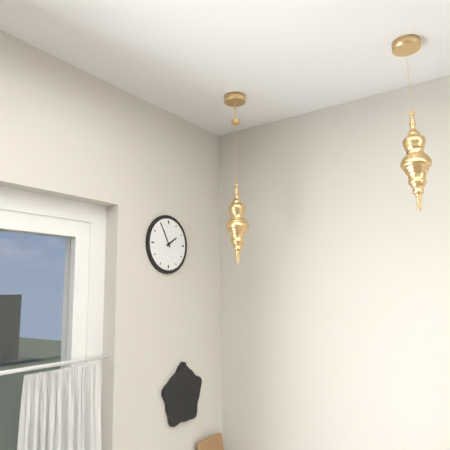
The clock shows 1.55
